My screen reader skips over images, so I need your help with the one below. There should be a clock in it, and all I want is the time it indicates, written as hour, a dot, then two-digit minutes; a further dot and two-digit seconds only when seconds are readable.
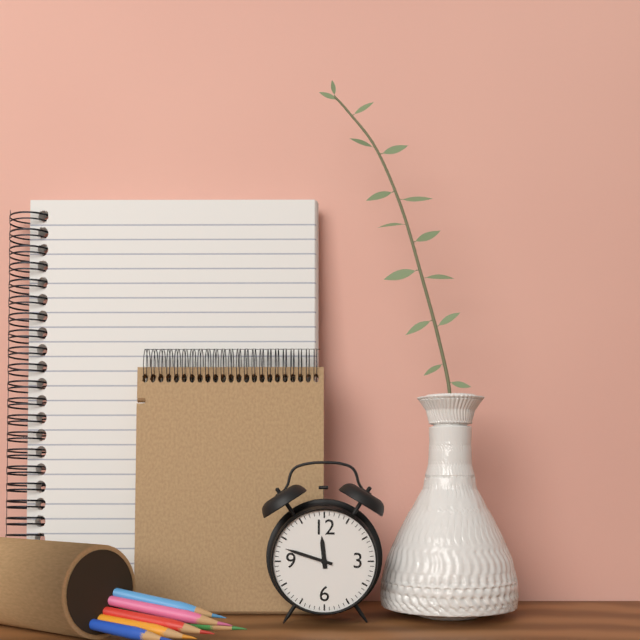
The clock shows 11.48
